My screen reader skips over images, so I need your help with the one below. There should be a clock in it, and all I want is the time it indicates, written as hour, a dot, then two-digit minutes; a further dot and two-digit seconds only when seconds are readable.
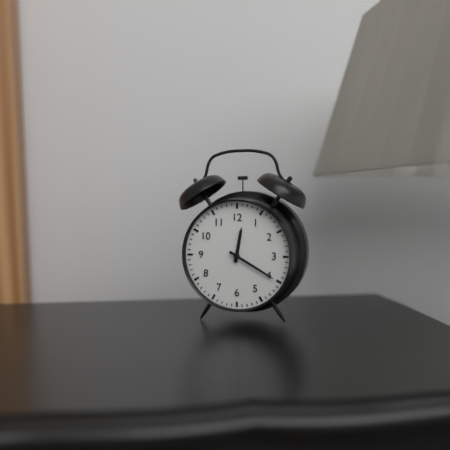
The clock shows 12.20
